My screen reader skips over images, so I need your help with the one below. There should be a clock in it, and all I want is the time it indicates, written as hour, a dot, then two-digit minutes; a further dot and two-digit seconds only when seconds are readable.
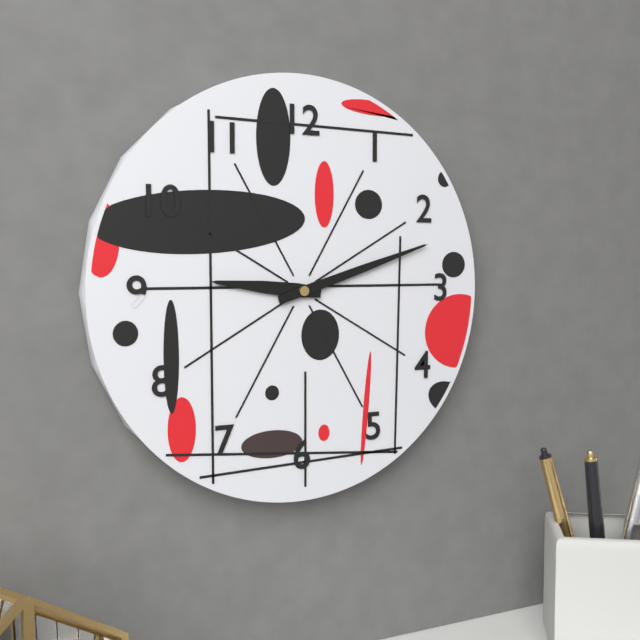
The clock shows 9.12
